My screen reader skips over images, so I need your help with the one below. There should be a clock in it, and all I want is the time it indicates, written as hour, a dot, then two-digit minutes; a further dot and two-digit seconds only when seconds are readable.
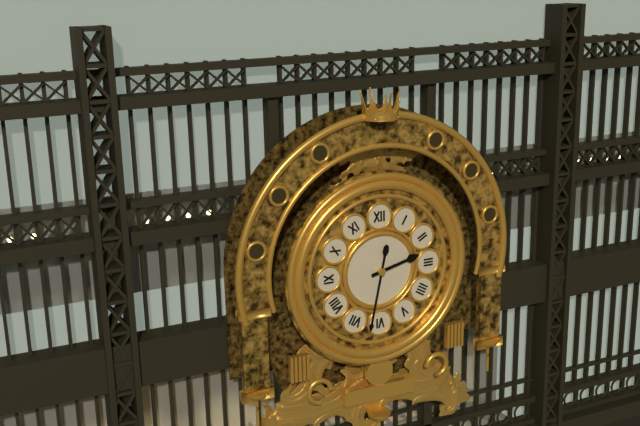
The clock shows 2.32
